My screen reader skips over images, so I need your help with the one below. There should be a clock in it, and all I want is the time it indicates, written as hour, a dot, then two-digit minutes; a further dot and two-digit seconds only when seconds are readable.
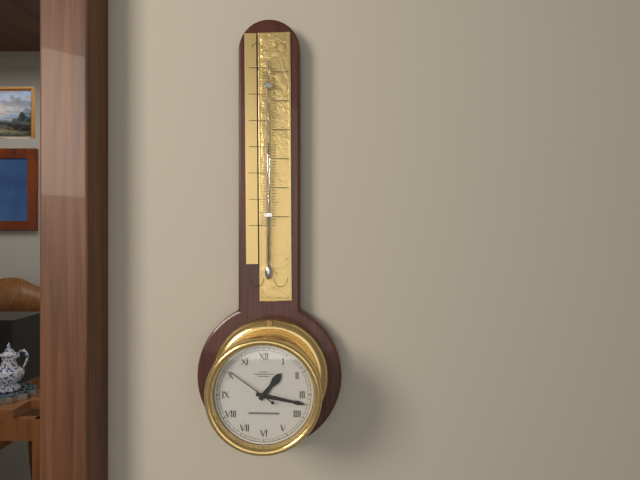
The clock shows 1.17.51
